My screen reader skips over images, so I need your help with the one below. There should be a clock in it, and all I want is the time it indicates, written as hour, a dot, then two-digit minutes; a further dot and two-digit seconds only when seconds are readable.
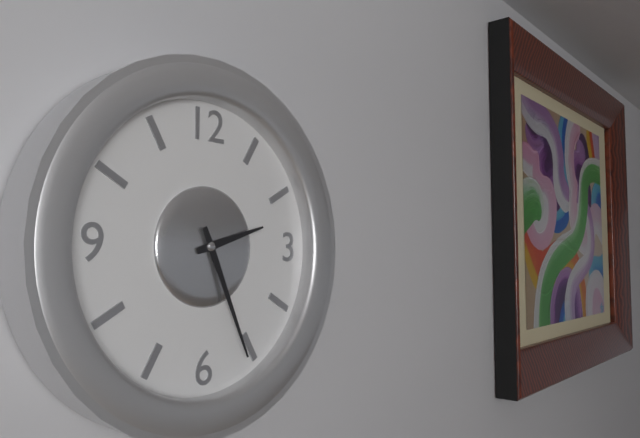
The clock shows 2.26
